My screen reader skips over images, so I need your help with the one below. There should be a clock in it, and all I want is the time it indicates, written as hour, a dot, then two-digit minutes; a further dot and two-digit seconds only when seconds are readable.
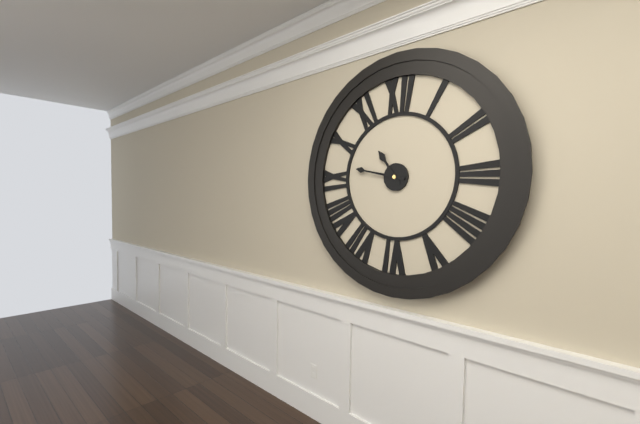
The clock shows 10.47
